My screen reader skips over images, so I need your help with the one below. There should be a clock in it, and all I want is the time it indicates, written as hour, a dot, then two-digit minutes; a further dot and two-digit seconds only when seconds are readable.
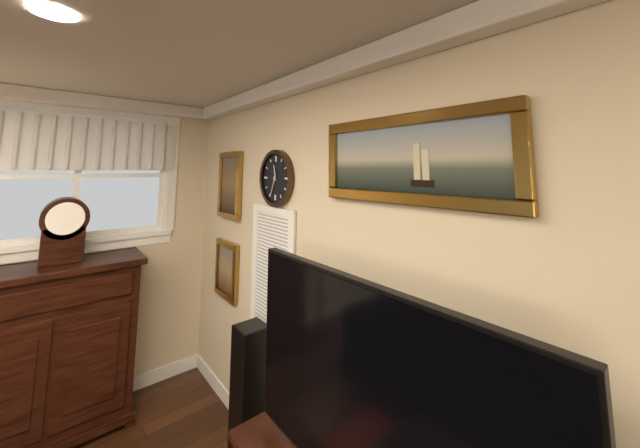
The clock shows 11.34
